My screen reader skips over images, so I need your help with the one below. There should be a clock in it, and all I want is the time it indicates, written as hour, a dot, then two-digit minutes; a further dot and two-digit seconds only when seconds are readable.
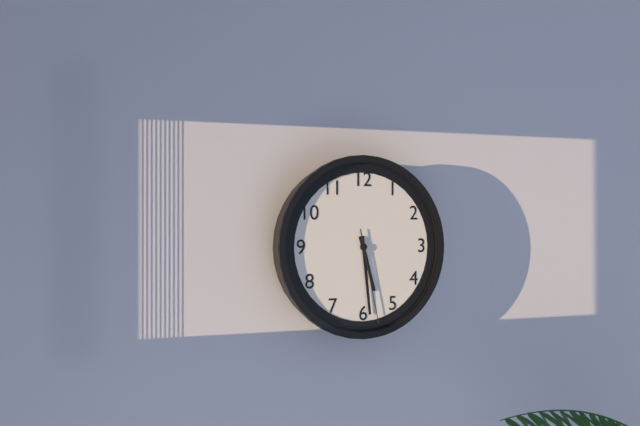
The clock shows 5.29.28
